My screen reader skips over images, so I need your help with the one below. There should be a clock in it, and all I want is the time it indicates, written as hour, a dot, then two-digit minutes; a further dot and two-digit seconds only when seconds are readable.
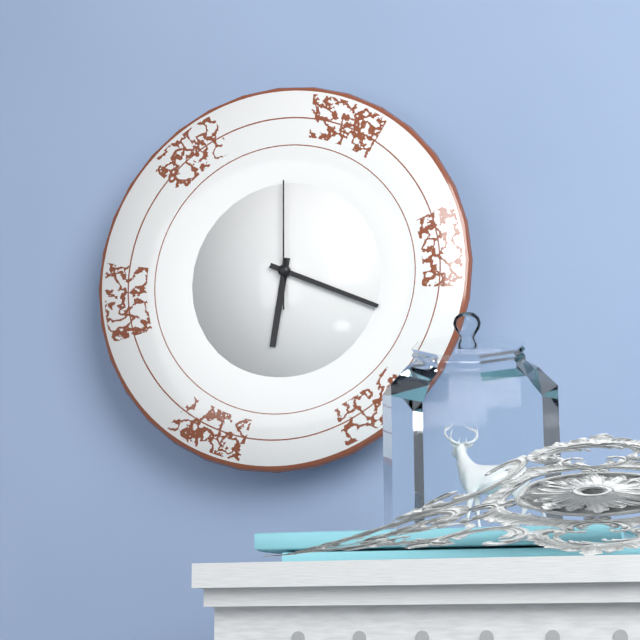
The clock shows 6.19.00
